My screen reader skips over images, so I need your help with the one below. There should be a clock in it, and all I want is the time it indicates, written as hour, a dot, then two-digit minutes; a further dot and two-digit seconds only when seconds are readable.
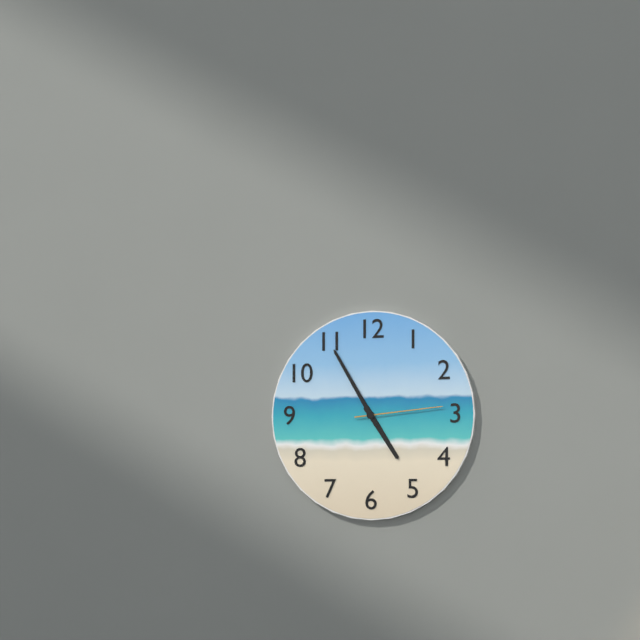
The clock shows 4.55.14
